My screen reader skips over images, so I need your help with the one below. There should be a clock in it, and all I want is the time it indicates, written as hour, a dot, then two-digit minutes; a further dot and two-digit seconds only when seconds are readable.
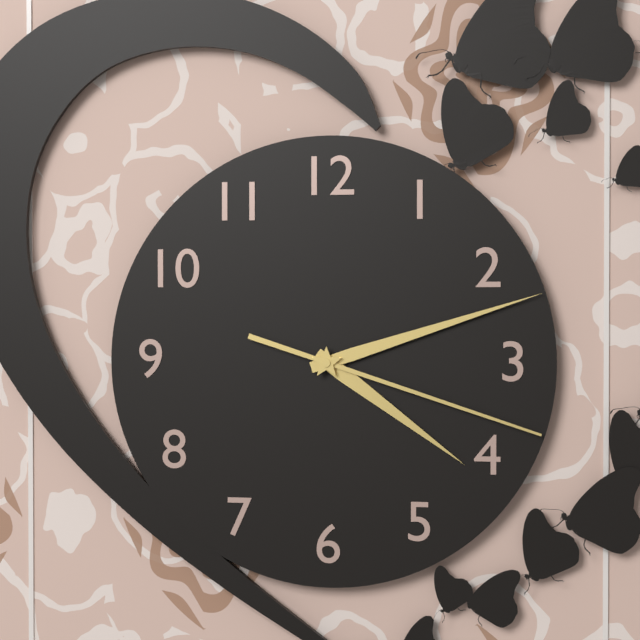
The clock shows 4.12.18
